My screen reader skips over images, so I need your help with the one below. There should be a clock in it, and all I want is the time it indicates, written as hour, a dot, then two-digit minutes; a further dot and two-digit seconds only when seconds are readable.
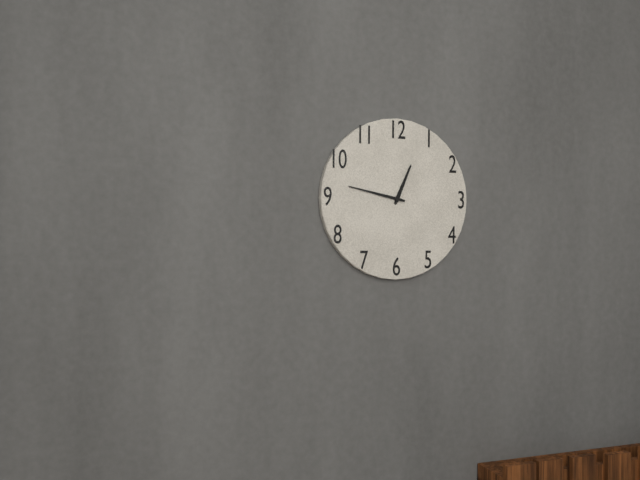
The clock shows 12.47
